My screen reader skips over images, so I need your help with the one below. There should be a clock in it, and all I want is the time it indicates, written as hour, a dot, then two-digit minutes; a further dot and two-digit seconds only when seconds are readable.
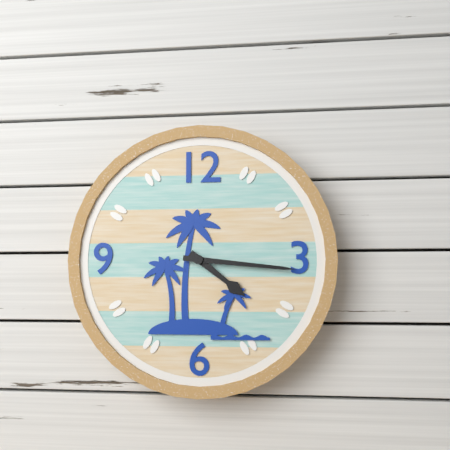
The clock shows 4.16
